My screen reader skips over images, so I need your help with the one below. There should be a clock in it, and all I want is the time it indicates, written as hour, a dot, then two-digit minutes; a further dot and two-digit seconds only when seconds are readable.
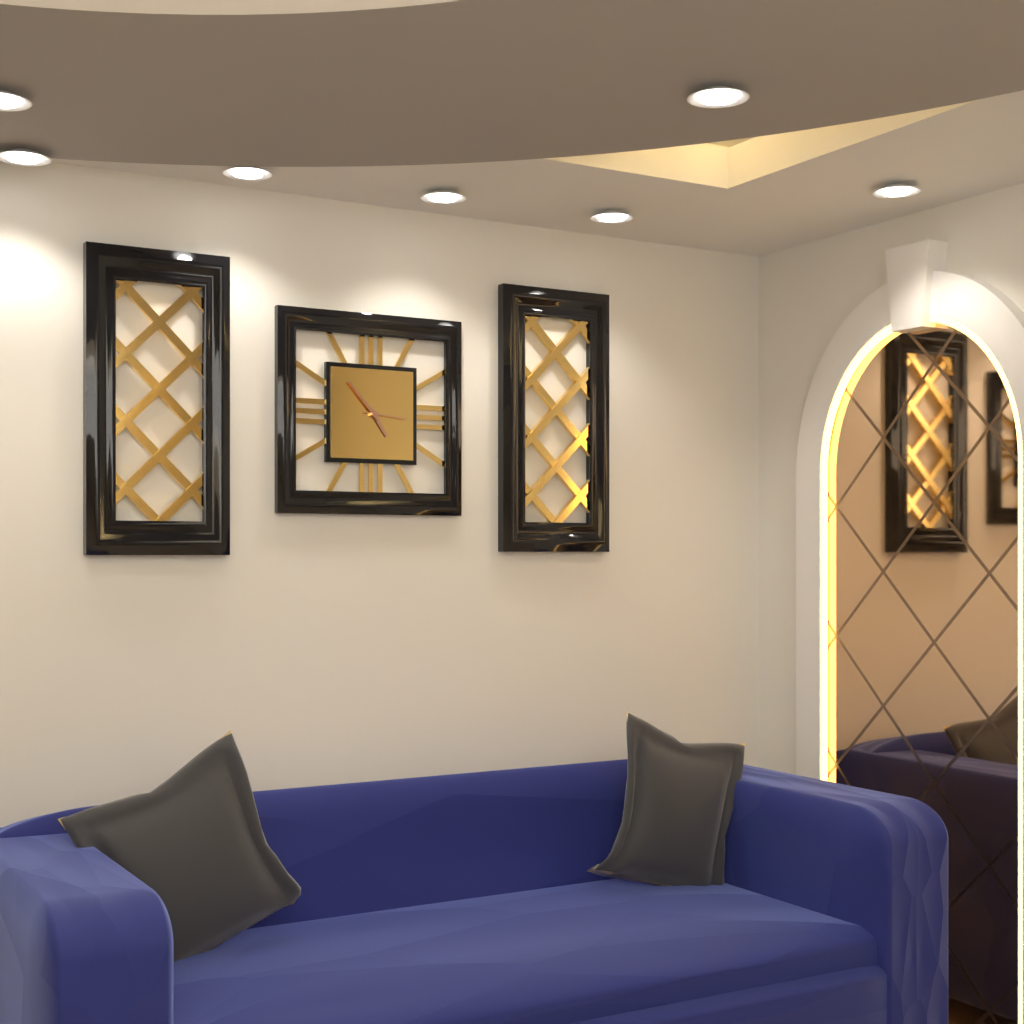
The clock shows 4.53
